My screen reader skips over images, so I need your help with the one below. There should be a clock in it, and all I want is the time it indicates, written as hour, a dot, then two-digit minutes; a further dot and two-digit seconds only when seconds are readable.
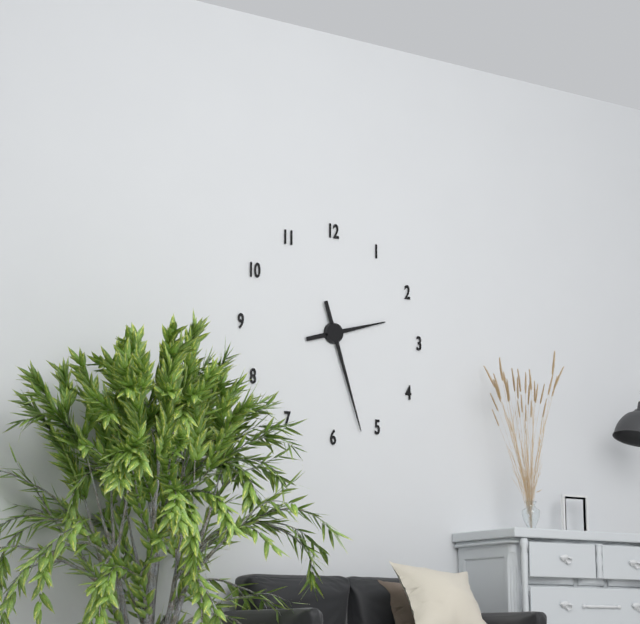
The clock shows 2.27
